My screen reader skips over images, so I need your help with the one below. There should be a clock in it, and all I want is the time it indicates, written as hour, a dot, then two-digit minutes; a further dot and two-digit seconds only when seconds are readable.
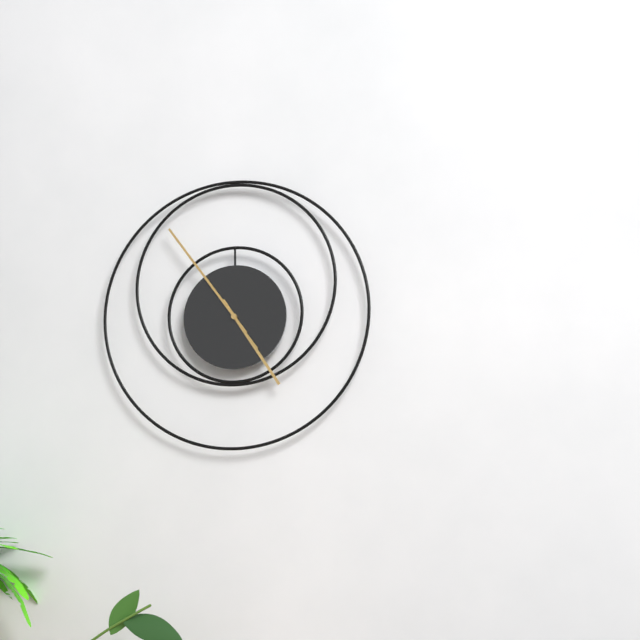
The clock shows 4.54.54
